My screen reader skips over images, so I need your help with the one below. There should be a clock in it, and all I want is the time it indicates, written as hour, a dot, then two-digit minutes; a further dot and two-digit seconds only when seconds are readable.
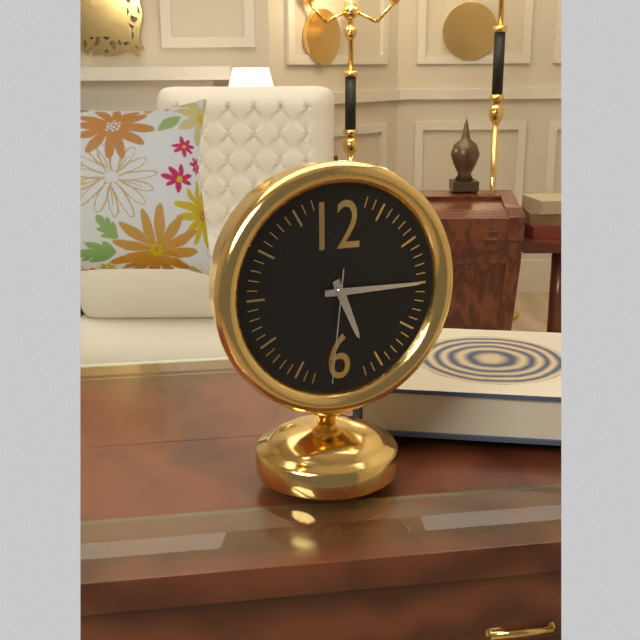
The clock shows 5.15.31
